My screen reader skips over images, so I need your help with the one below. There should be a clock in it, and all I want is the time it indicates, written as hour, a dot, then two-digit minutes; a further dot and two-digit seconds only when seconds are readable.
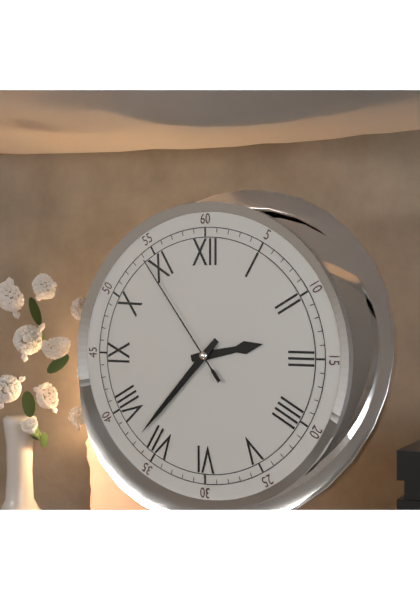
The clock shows 2.37.54
